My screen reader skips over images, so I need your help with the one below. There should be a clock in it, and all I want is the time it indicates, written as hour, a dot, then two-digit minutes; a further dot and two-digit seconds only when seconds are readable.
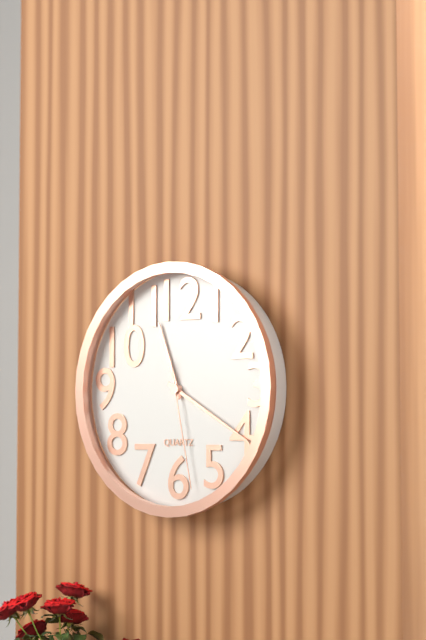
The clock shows 11.20.28
